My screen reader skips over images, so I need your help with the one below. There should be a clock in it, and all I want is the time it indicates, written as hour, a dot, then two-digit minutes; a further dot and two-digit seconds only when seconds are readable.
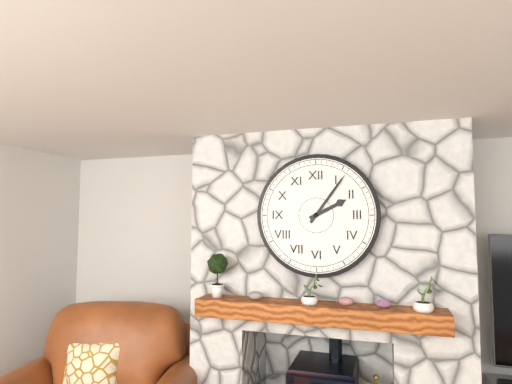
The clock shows 2.06
